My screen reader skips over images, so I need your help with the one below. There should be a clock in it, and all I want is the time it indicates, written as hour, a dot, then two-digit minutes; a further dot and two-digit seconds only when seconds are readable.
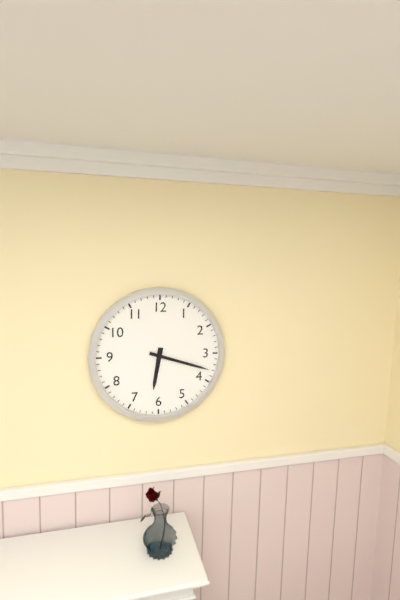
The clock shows 6.18
